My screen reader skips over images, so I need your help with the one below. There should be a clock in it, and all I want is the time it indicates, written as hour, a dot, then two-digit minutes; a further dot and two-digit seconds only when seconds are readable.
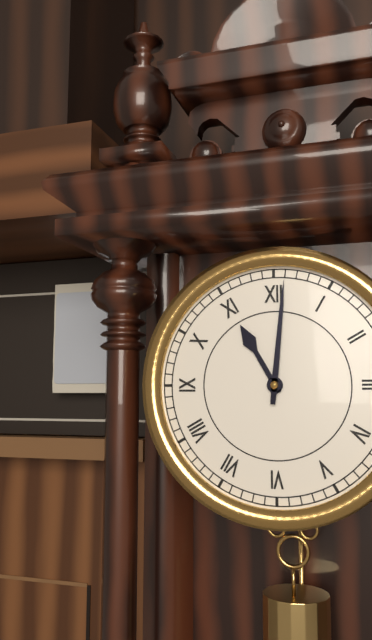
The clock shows 11.01
